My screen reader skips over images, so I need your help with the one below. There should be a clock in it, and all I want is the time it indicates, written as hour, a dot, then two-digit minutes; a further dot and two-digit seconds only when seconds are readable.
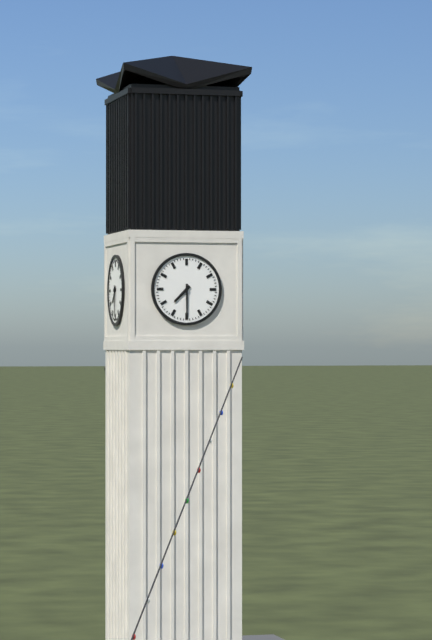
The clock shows 7.30
